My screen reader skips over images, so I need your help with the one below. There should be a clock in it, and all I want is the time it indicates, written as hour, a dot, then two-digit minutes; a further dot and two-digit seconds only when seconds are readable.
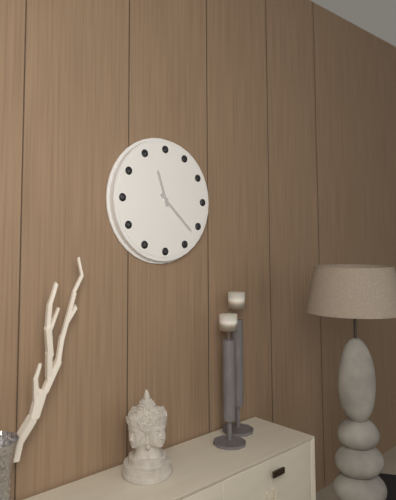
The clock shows 11.22
